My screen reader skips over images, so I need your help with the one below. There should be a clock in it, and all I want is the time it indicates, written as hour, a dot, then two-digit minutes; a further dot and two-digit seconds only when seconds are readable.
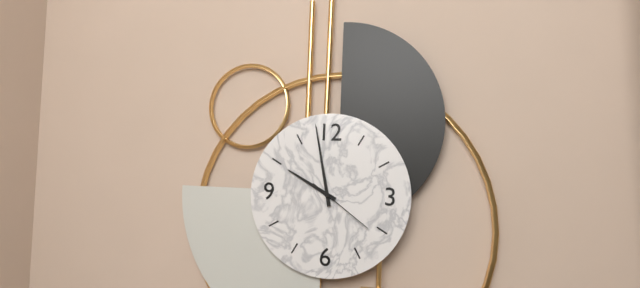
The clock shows 9.58.21
